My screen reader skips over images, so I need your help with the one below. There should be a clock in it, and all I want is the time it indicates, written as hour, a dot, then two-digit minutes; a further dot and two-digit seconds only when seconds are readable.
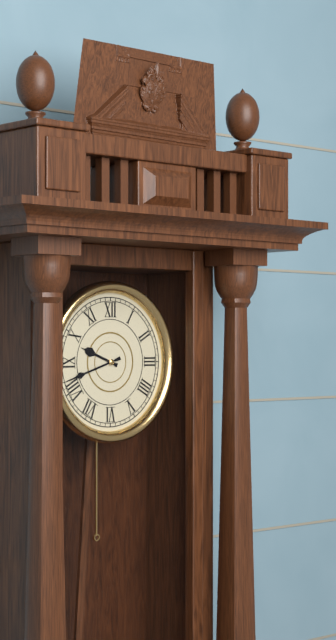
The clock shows 9.42
